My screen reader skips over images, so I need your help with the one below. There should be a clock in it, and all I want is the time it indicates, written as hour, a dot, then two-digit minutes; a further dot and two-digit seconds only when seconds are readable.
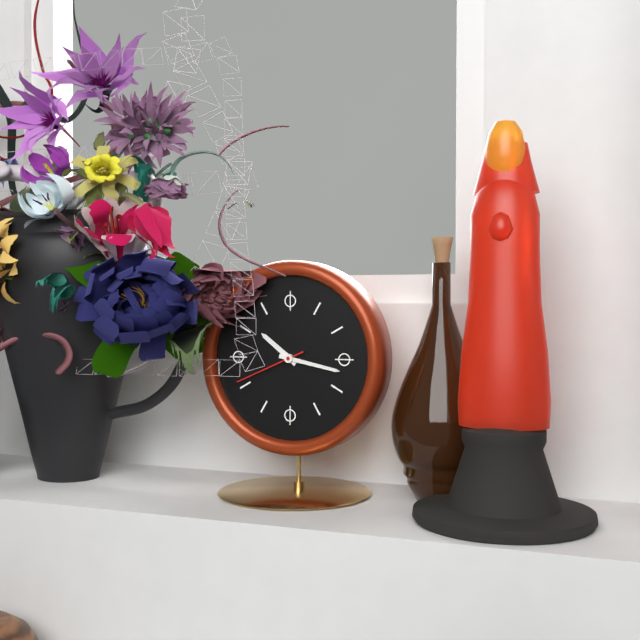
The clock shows 10.17.41
